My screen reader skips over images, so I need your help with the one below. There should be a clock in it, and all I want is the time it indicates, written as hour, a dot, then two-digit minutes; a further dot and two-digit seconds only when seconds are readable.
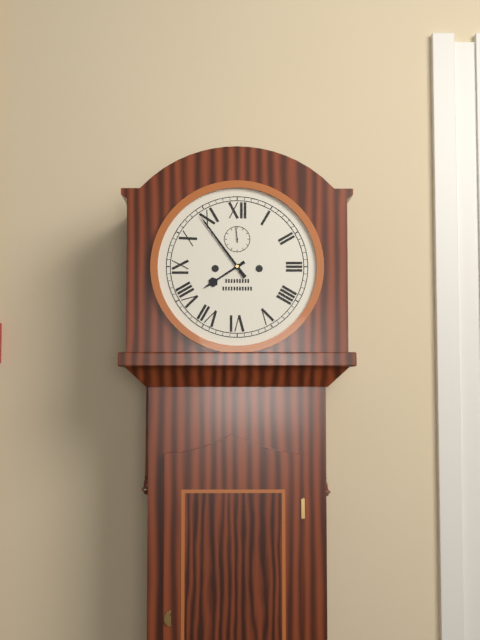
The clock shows 7.54
